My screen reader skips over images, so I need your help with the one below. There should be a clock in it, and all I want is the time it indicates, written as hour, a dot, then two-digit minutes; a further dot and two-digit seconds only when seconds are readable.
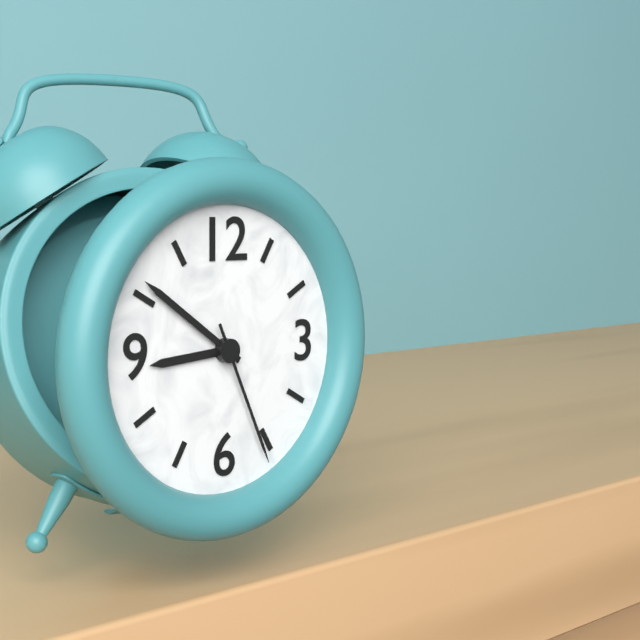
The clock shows 8.51.26
